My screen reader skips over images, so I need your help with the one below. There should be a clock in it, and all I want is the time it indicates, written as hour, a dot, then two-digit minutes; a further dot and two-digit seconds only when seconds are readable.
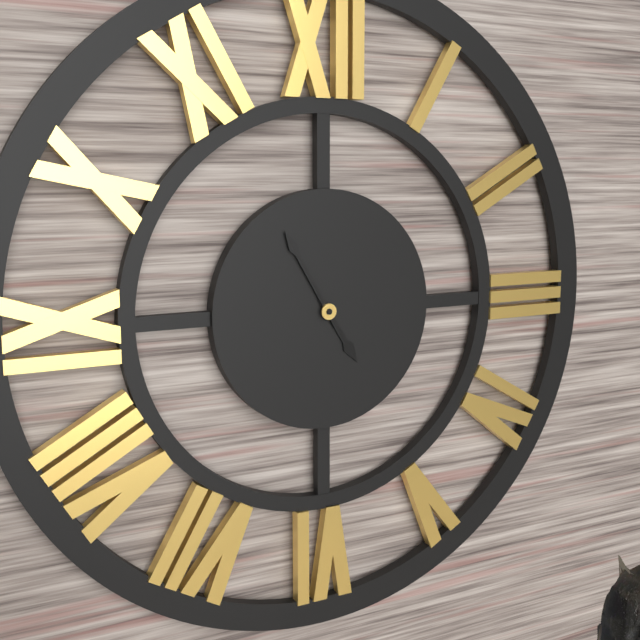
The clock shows 4.55
